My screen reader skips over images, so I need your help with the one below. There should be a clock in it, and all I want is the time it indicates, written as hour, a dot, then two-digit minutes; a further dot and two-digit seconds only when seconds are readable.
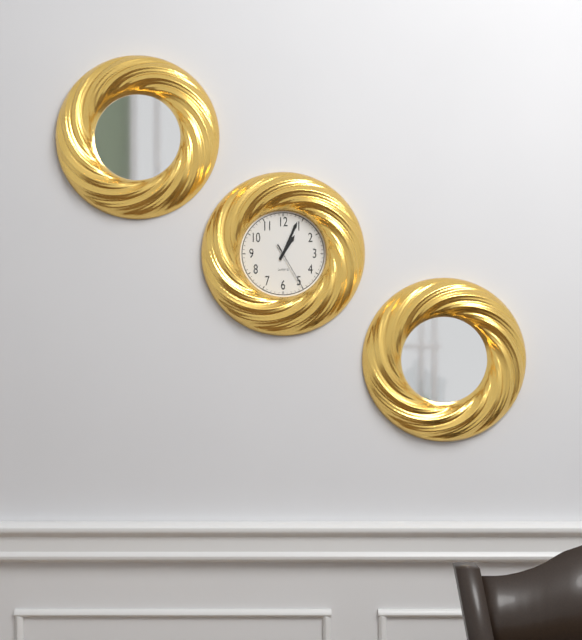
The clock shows 1.04
